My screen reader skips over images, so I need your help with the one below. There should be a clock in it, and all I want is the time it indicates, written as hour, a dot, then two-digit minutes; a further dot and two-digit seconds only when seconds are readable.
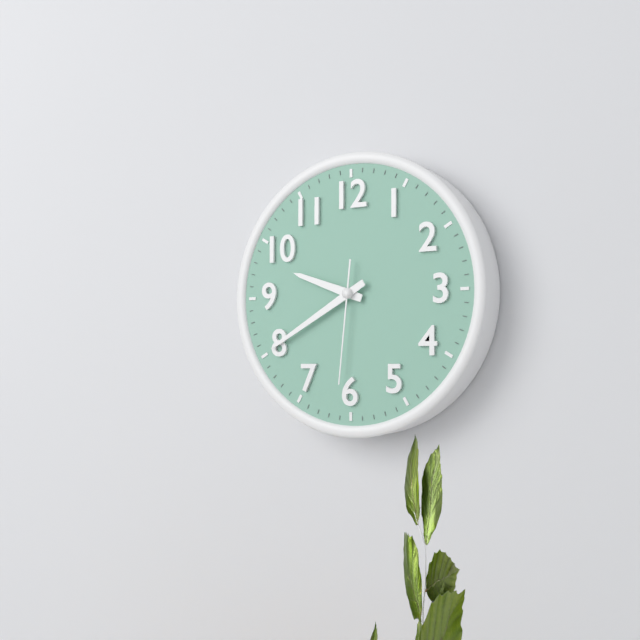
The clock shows 9.40.31
